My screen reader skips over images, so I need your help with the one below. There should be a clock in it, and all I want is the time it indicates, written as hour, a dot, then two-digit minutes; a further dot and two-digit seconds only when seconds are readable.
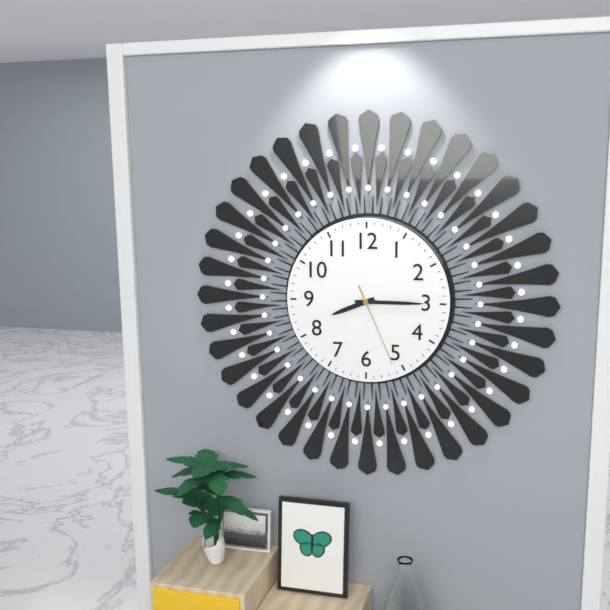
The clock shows 8.15.26
